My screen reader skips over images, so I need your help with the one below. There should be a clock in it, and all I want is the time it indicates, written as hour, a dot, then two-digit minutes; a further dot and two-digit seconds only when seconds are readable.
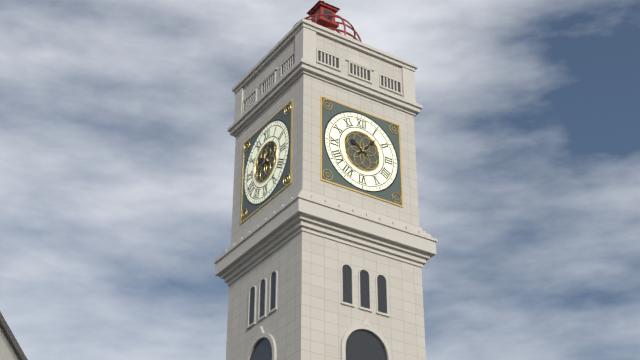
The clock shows 10.07
